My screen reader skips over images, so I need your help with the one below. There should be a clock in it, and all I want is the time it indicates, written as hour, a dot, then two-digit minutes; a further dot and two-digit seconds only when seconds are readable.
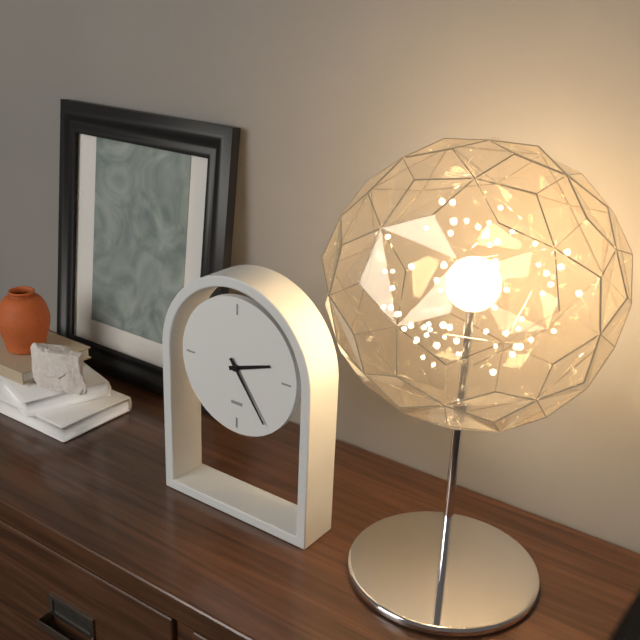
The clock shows 2.24
